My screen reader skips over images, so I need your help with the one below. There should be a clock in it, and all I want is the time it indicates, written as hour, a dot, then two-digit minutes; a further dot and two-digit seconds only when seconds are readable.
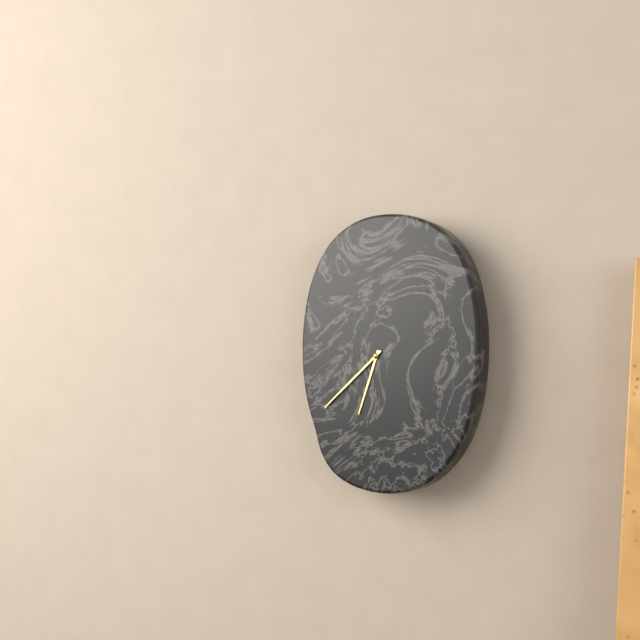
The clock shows 6.38
